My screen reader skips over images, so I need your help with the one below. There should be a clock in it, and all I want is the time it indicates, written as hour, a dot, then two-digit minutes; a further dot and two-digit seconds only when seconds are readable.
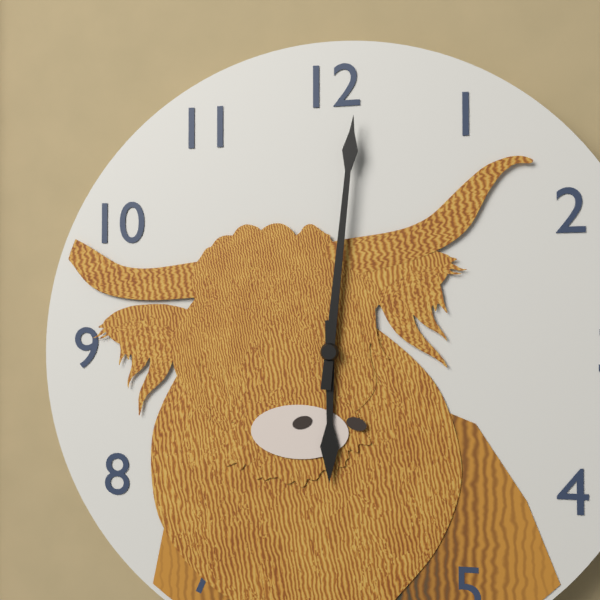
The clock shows 6.01
